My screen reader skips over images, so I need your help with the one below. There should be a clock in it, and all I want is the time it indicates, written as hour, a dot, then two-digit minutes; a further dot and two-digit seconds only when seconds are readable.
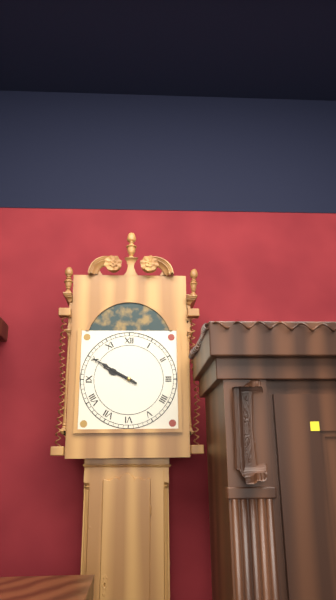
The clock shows 9.50
